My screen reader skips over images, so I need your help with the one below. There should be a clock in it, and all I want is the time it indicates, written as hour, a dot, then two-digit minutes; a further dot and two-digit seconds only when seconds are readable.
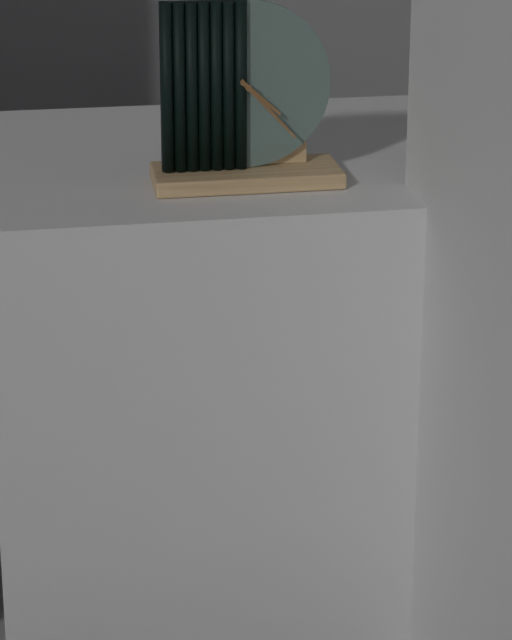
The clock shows 4.23
